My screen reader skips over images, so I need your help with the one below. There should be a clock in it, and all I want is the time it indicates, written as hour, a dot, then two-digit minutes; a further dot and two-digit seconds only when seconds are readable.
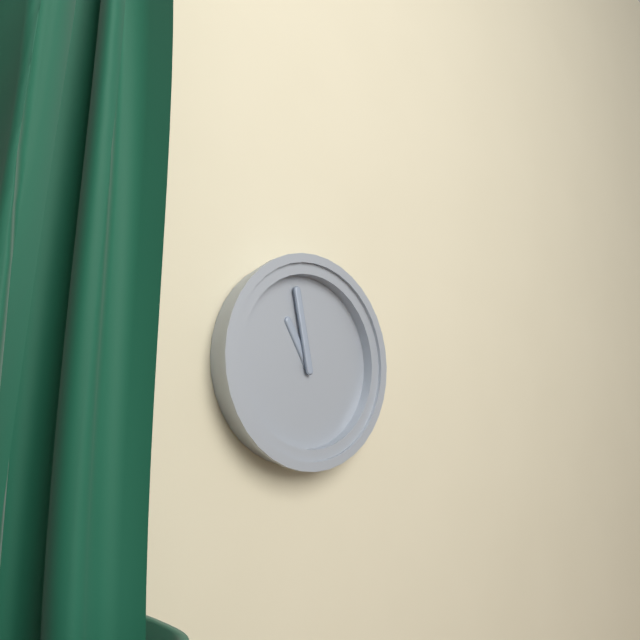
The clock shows 10.58
